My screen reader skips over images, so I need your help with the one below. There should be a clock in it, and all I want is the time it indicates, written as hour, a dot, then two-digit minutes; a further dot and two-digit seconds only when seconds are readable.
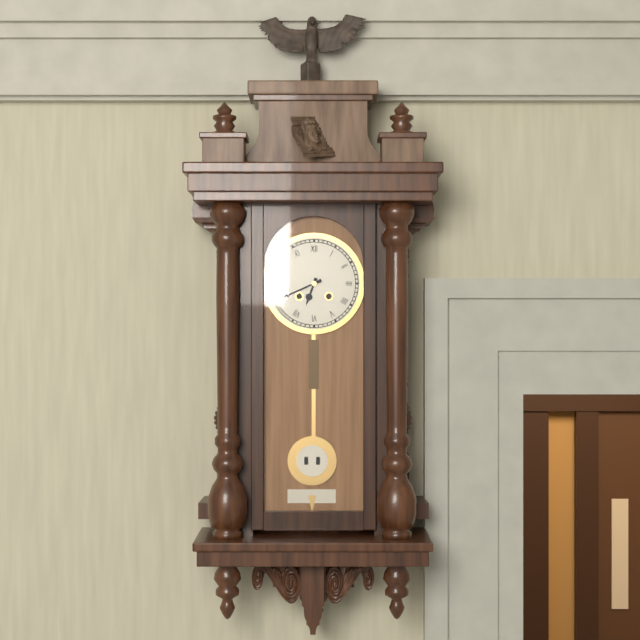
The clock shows 6.41
